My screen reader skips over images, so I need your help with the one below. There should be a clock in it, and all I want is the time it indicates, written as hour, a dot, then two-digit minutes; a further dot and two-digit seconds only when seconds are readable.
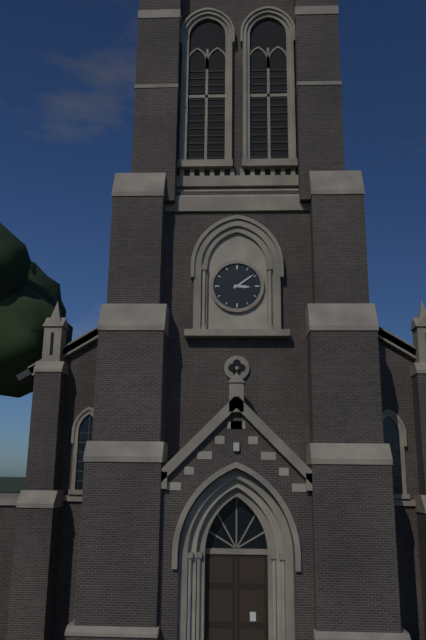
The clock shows 3.09
